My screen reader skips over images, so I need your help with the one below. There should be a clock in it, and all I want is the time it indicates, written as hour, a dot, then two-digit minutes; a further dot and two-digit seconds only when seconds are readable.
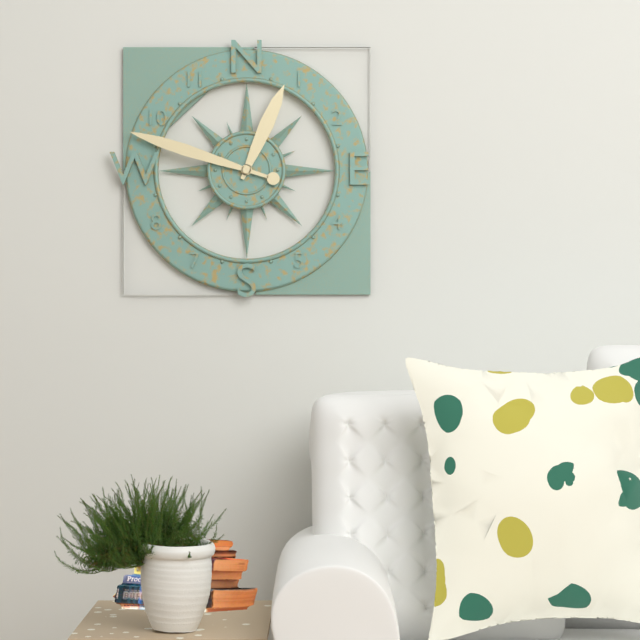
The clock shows 12.48
